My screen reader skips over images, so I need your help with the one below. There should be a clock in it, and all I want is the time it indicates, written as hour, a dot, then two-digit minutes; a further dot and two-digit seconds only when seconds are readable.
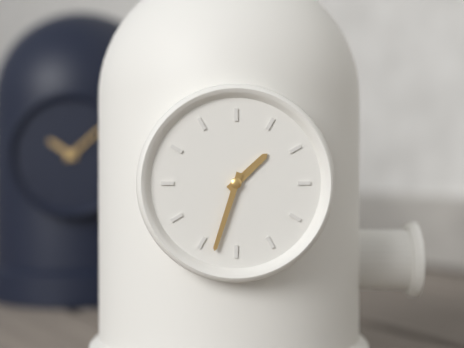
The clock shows 1.33
